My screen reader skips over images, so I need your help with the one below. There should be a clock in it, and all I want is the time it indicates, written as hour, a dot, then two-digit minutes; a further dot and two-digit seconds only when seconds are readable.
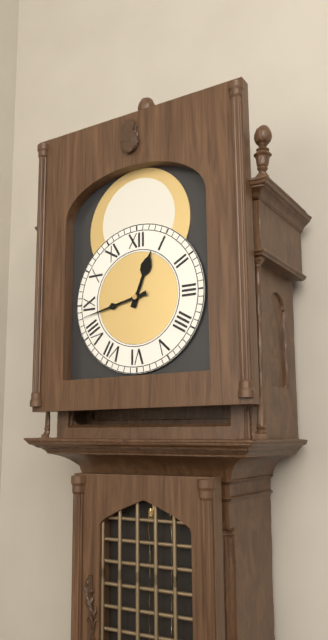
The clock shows 12.43
